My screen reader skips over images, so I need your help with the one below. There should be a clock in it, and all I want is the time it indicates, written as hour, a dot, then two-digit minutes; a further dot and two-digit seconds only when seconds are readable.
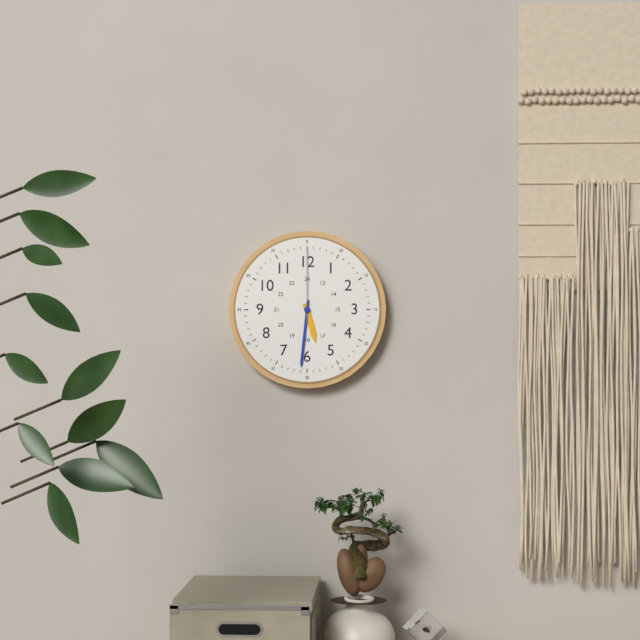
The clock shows 5.31.00
